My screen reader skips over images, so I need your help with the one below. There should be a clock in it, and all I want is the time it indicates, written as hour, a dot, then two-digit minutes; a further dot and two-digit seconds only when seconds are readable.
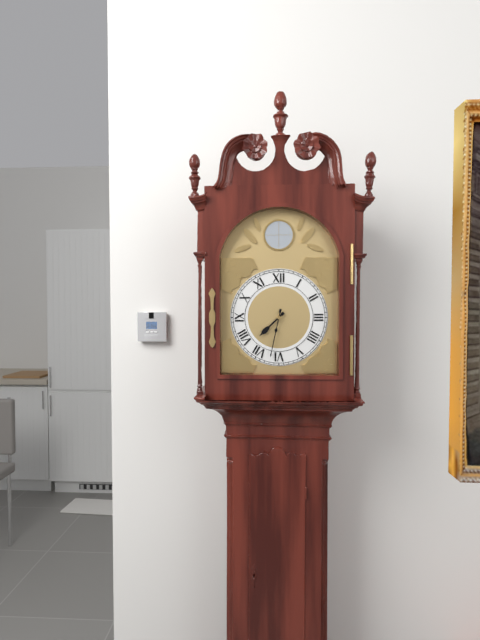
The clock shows 7.32
